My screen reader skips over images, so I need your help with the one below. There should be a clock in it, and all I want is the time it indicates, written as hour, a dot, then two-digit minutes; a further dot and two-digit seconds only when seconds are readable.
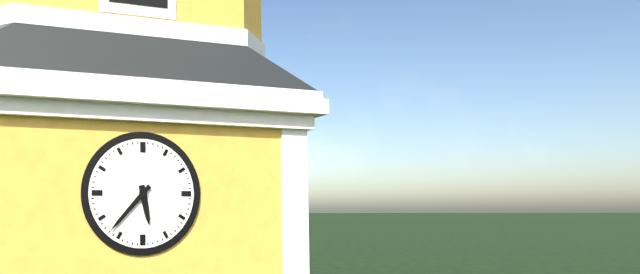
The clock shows 5.37
